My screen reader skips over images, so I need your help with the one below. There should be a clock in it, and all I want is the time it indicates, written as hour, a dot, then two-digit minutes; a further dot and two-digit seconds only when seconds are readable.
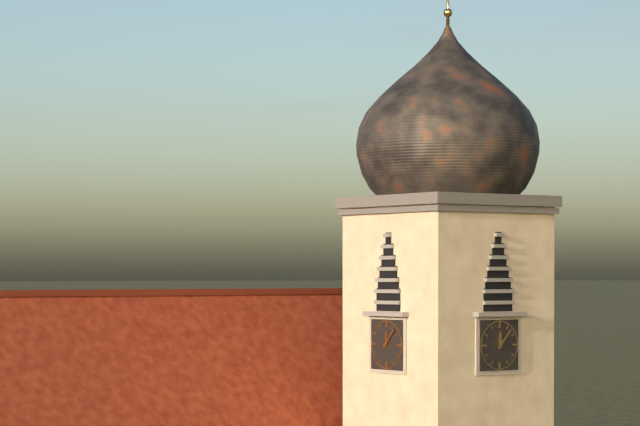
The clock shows 12.07
